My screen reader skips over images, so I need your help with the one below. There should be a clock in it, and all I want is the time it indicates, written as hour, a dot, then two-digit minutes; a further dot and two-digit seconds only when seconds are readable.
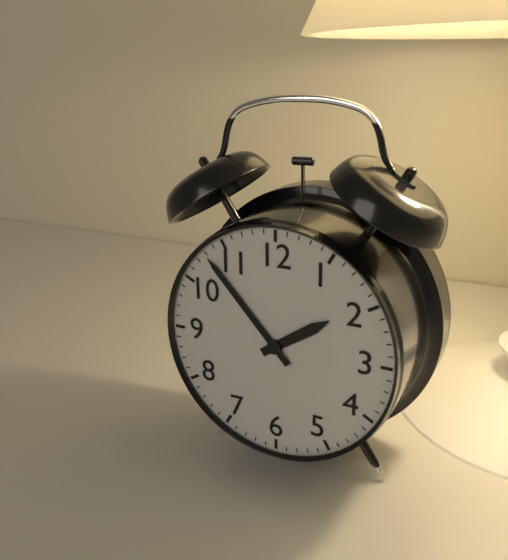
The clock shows 1.53
